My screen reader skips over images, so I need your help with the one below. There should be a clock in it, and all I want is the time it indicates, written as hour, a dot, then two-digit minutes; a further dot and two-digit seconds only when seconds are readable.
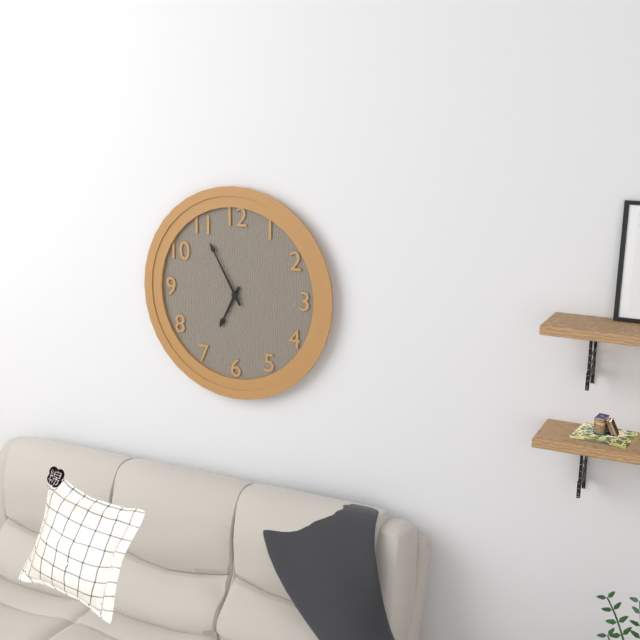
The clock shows 6.55
